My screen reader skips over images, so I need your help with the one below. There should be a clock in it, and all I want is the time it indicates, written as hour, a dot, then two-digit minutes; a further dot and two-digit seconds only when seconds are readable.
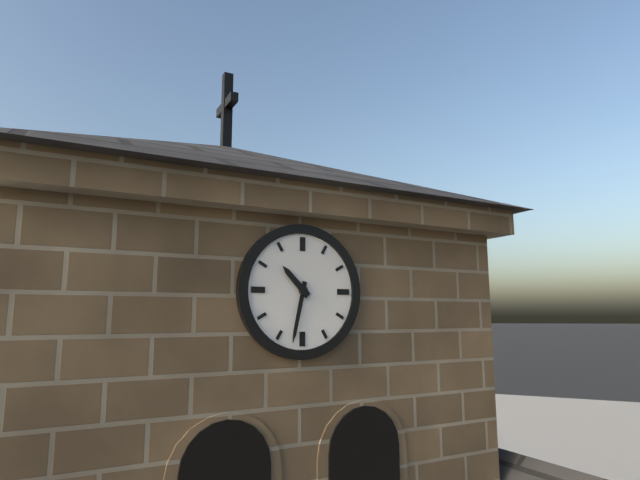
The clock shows 10.32
